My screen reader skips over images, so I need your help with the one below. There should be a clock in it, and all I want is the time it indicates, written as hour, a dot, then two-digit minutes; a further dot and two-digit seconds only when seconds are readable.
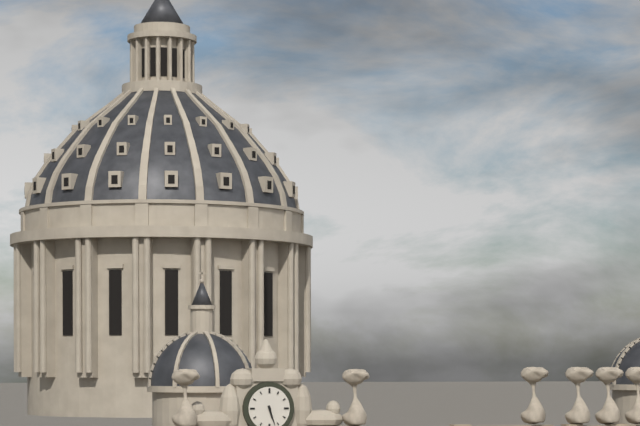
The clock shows 5.27
